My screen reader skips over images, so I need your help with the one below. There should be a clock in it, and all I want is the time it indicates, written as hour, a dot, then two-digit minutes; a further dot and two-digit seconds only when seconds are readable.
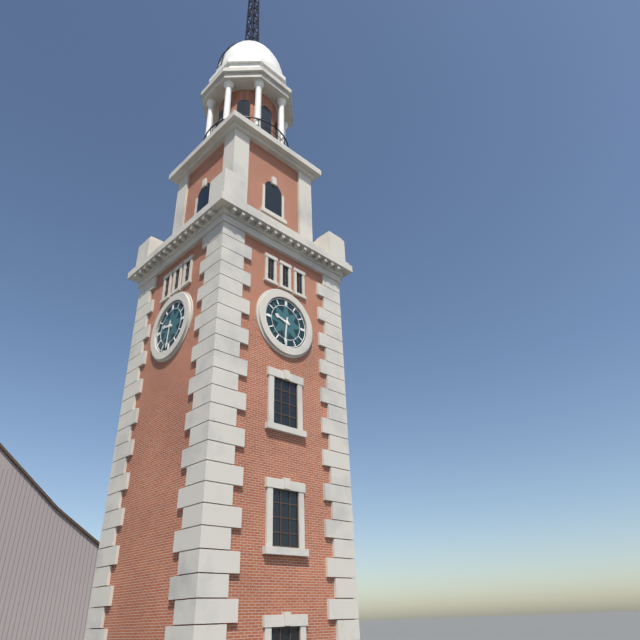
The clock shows 9.31
